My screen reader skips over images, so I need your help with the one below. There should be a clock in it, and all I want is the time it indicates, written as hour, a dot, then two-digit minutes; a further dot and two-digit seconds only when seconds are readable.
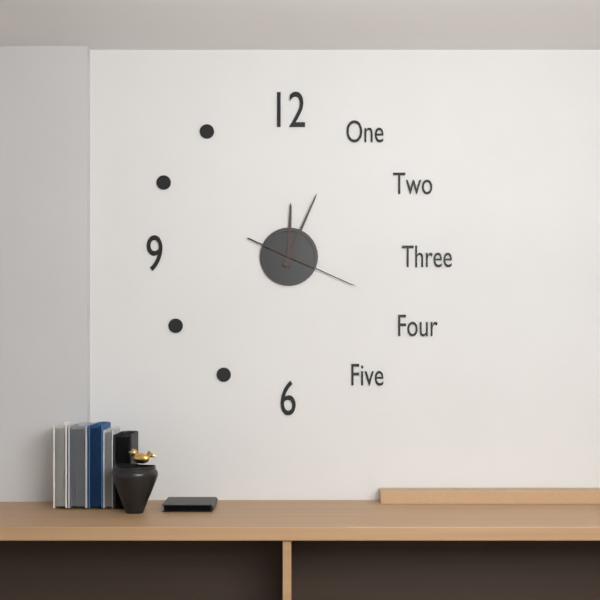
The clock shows 12.04.19
